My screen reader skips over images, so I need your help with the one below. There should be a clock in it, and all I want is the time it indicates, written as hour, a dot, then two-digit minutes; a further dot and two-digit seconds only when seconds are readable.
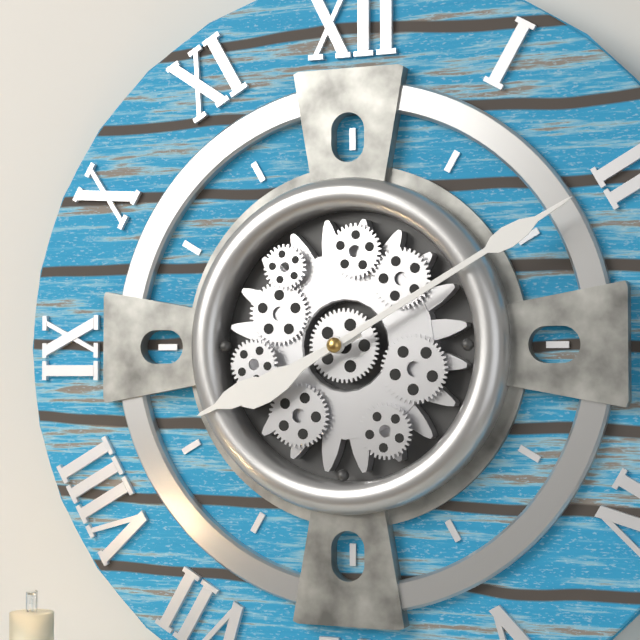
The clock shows 8.10
